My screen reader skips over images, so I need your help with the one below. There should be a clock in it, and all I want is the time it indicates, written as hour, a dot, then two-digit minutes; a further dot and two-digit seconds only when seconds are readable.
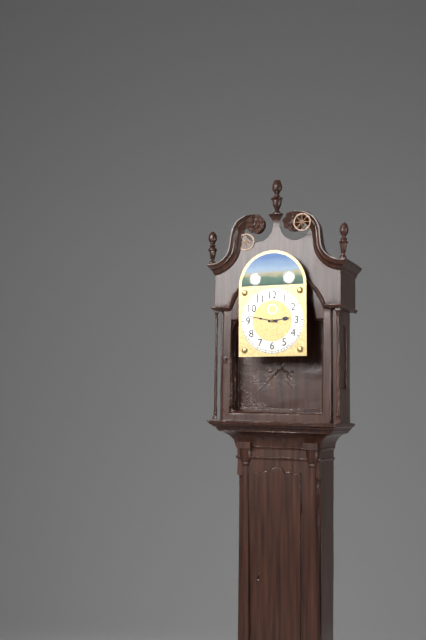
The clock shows 2.47
